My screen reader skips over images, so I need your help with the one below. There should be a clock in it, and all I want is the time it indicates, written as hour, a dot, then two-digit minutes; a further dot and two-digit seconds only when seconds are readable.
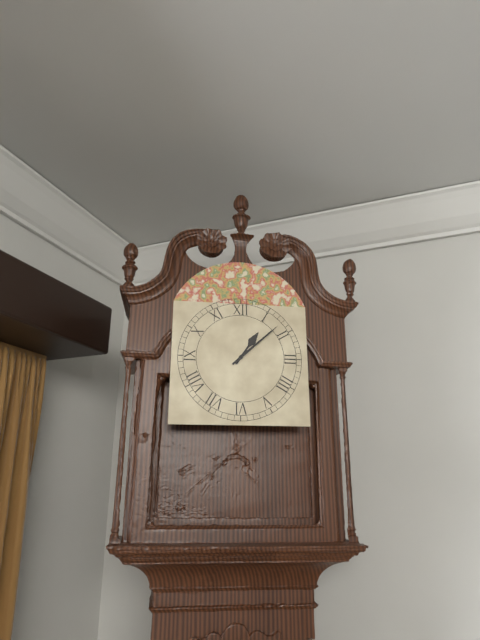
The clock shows 1.08
